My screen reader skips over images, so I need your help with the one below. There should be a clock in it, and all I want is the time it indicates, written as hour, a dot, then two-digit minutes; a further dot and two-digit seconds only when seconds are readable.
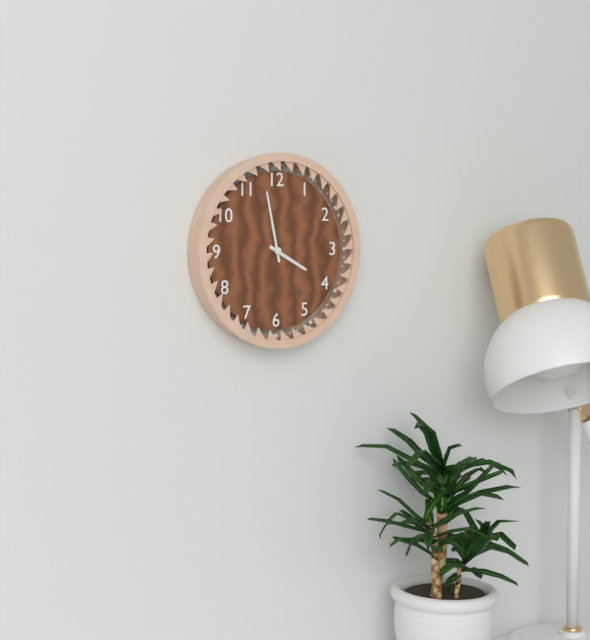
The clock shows 3.58
